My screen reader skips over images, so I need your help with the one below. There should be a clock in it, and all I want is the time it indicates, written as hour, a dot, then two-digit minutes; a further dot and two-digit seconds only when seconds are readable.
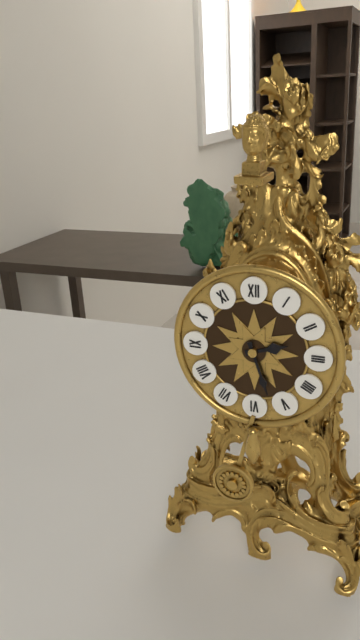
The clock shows 2.27
